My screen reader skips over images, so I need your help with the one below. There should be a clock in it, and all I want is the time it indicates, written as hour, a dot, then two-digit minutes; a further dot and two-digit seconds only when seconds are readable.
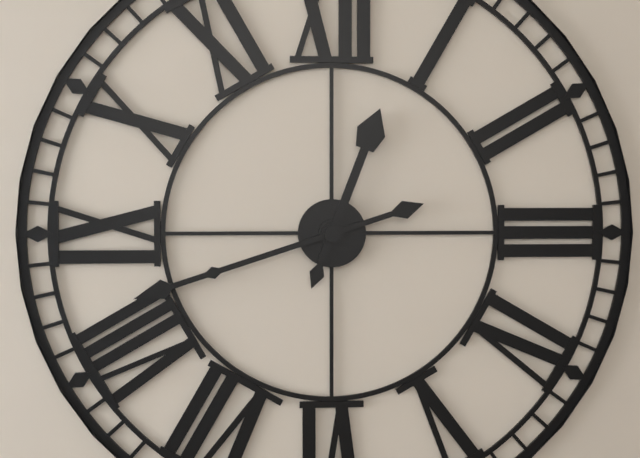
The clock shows 12.42
